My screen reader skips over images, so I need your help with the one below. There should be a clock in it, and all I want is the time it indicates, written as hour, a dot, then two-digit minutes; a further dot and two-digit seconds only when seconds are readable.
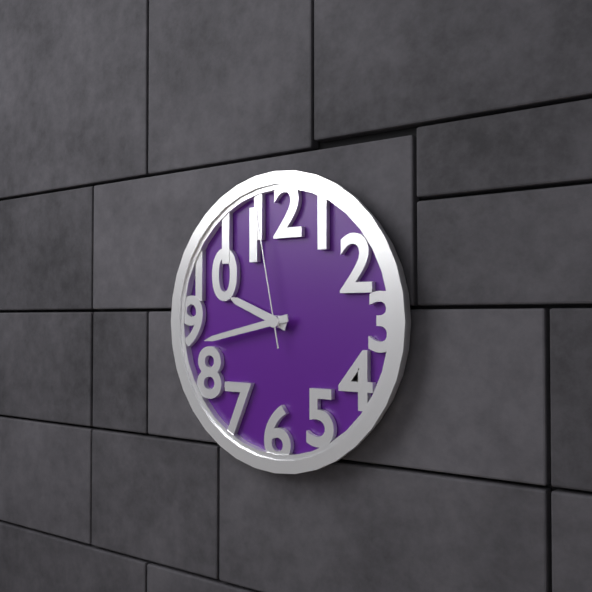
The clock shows 9.43.58
